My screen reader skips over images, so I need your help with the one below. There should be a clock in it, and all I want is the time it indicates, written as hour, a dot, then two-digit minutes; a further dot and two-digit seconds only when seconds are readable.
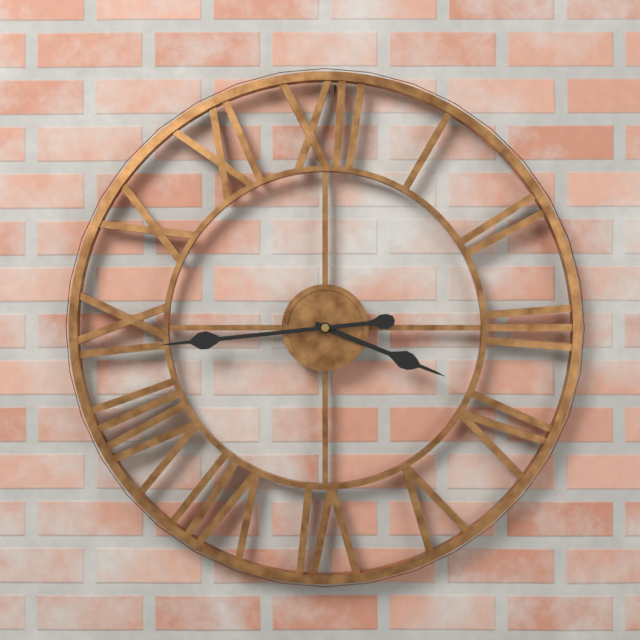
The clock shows 3.44
